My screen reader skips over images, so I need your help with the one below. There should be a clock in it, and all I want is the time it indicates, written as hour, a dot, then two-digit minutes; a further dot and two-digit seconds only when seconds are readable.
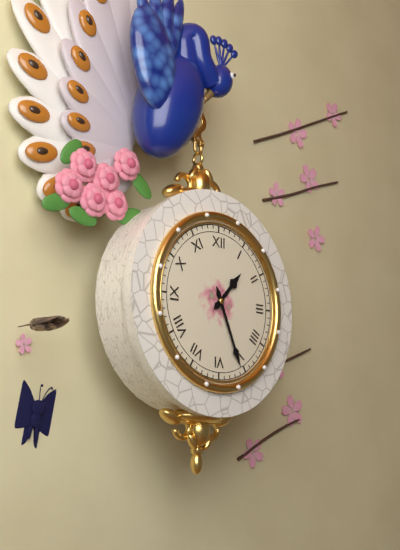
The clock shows 1.26
